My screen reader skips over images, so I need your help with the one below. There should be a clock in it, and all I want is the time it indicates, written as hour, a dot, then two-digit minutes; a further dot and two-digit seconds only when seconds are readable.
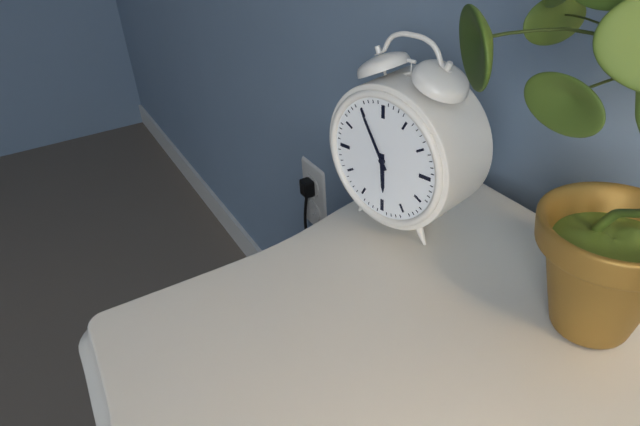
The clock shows 5.55
